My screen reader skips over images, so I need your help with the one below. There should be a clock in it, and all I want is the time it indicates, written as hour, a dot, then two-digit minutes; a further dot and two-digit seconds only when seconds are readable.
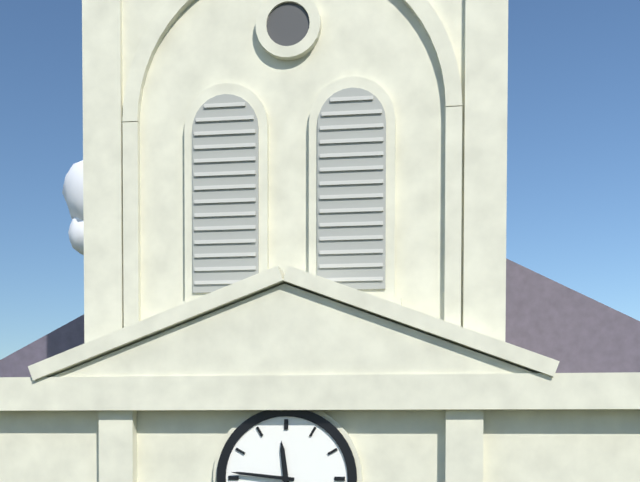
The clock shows 11.46
